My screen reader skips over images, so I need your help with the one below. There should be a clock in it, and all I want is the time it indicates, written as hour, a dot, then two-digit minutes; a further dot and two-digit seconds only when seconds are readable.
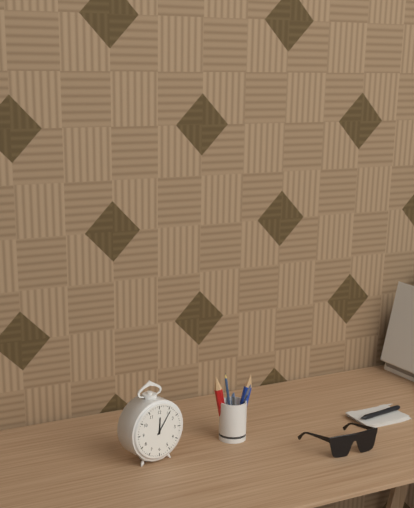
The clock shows 12.06
